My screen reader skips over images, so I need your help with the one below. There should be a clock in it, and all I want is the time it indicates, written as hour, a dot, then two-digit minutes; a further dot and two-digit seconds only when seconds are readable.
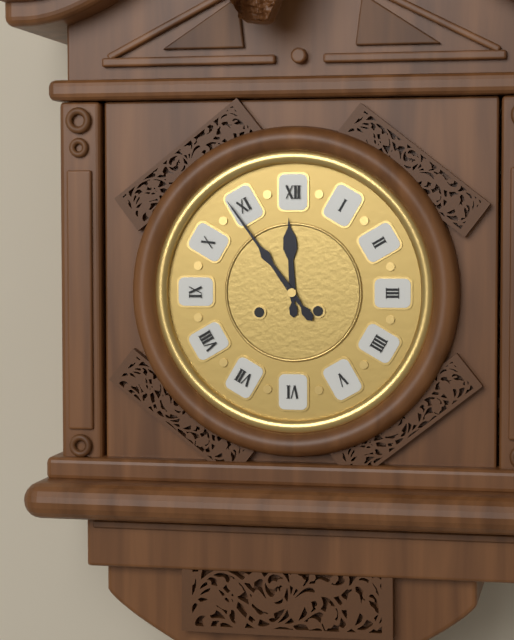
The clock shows 11.54
